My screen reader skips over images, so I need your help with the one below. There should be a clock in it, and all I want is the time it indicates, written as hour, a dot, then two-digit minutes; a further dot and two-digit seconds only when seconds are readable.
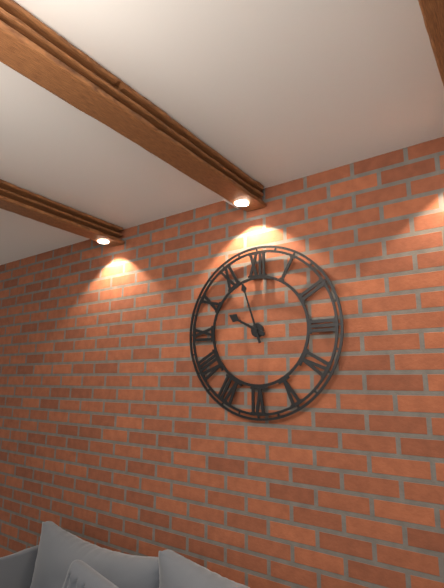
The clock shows 9.57
